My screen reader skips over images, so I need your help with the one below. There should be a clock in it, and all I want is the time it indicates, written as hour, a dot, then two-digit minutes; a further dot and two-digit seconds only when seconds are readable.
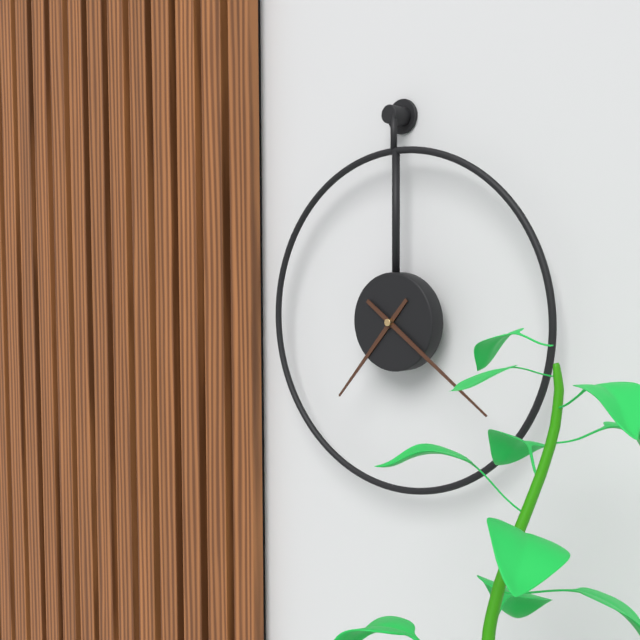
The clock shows 7.21
